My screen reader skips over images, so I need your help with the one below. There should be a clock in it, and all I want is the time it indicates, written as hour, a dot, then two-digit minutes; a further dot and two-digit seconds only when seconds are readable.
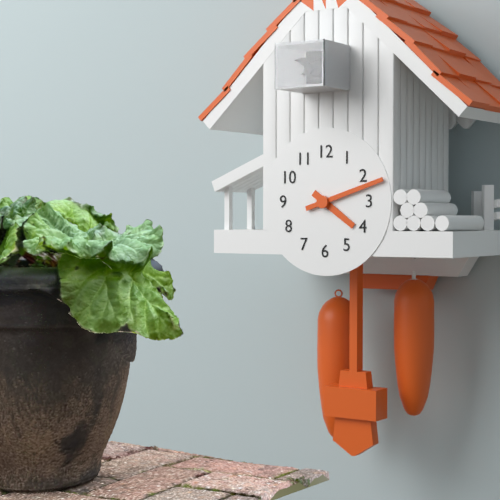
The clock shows 4.12
